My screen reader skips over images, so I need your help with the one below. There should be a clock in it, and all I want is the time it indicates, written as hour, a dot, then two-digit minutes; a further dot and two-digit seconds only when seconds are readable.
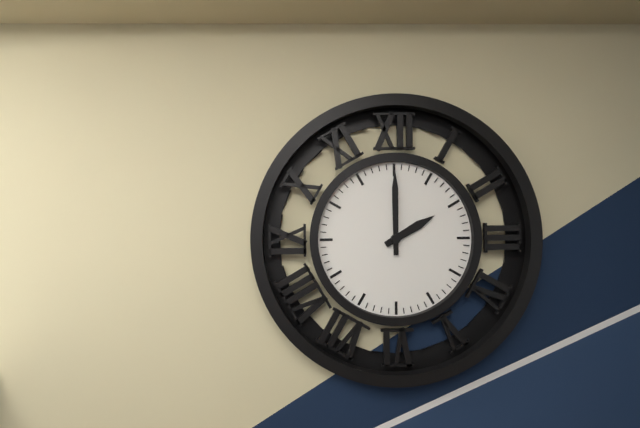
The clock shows 2.00
